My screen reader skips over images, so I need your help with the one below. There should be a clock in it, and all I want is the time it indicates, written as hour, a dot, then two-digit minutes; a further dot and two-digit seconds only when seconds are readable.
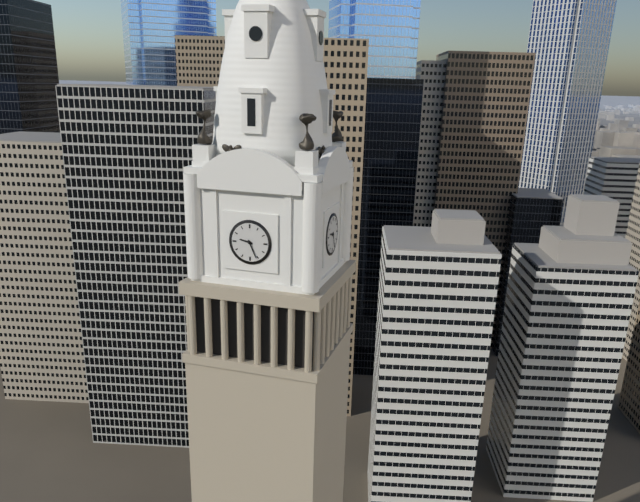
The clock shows 9.26
